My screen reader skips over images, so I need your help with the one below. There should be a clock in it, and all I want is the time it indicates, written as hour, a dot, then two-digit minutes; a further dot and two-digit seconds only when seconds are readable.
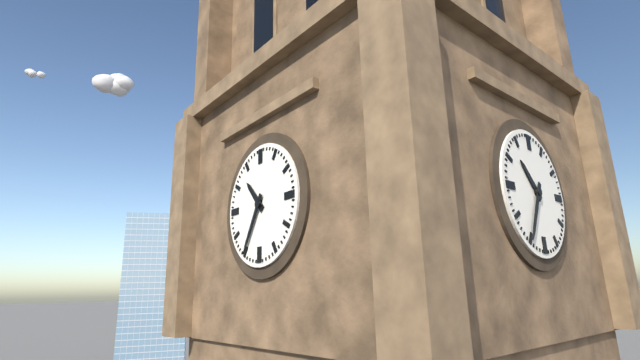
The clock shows 10.35
